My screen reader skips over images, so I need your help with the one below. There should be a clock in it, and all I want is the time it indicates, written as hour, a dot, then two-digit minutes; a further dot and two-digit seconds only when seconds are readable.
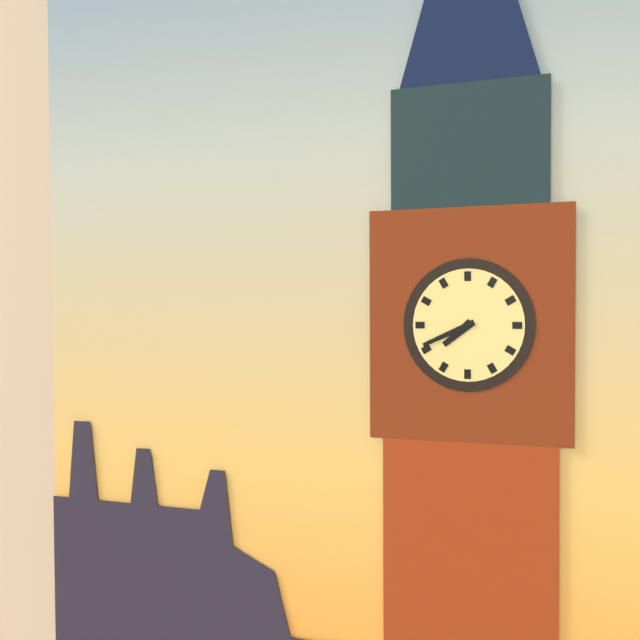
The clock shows 7.41
